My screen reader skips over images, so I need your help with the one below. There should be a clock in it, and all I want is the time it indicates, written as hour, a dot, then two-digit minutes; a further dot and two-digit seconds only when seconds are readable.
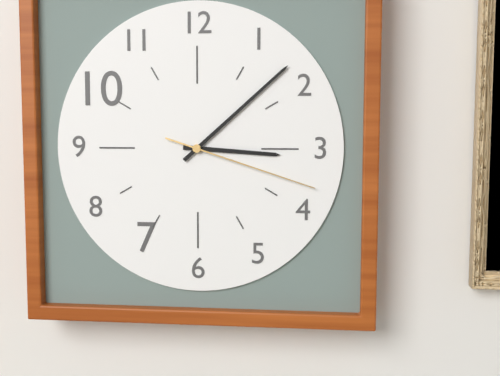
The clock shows 3.08.18
